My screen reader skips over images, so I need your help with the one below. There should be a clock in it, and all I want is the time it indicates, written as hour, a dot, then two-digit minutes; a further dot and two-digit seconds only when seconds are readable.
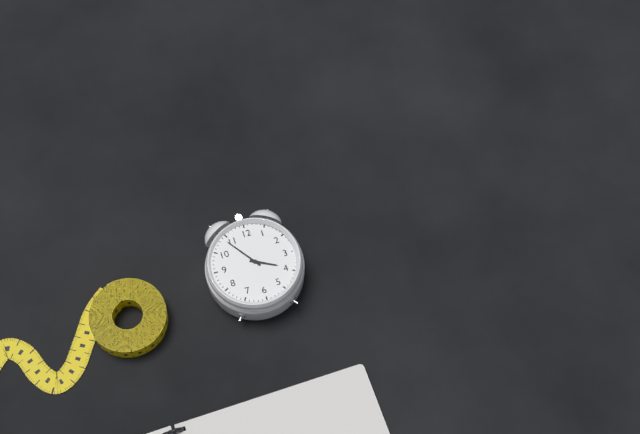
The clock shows 3.54
